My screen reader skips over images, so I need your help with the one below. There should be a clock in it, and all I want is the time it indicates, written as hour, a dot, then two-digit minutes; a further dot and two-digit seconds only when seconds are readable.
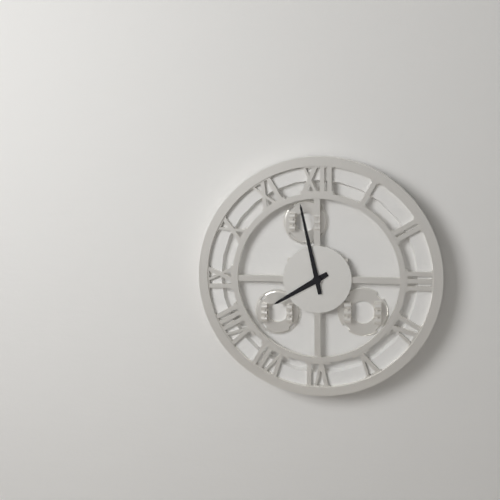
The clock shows 7.58
